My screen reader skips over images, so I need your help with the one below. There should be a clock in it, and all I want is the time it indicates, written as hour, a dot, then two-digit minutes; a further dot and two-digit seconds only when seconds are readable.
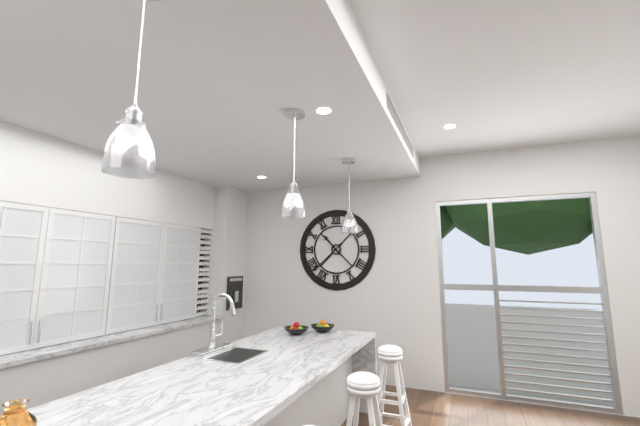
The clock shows 10.38
